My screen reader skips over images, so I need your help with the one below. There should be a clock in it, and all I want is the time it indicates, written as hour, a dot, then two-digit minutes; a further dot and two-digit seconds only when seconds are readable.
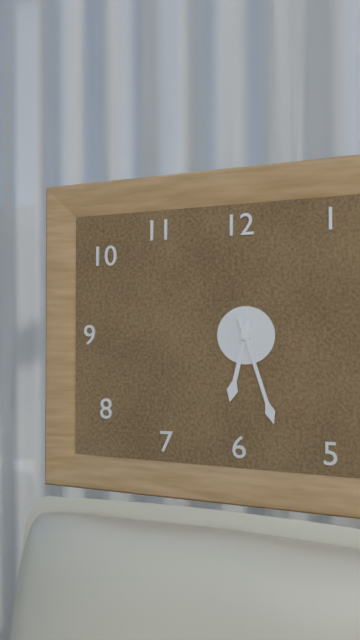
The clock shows 6.27
